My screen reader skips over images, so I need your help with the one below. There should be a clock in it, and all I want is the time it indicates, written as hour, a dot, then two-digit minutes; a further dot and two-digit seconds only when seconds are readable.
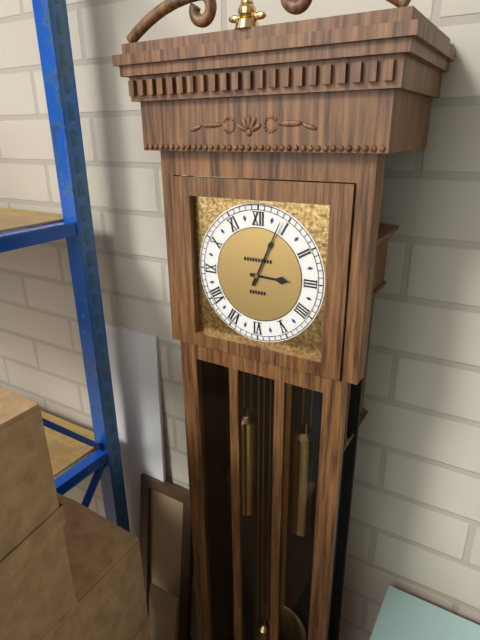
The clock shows 3.04
